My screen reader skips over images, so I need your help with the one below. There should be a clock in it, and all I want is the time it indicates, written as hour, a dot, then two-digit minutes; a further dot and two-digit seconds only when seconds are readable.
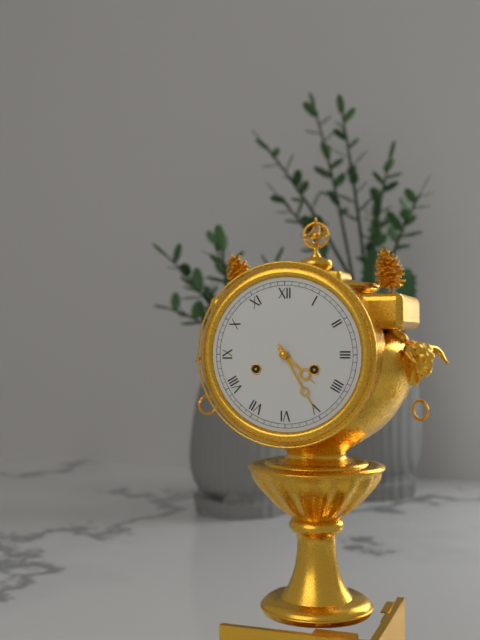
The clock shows 4.25
